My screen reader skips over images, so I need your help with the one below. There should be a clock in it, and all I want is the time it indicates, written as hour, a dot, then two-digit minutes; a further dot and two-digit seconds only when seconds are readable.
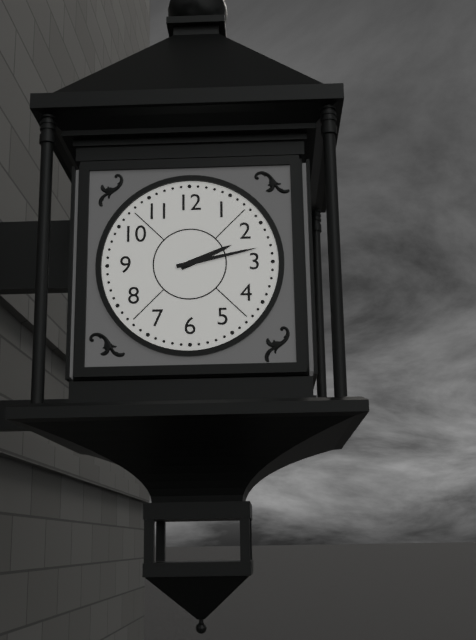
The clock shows 2.13
